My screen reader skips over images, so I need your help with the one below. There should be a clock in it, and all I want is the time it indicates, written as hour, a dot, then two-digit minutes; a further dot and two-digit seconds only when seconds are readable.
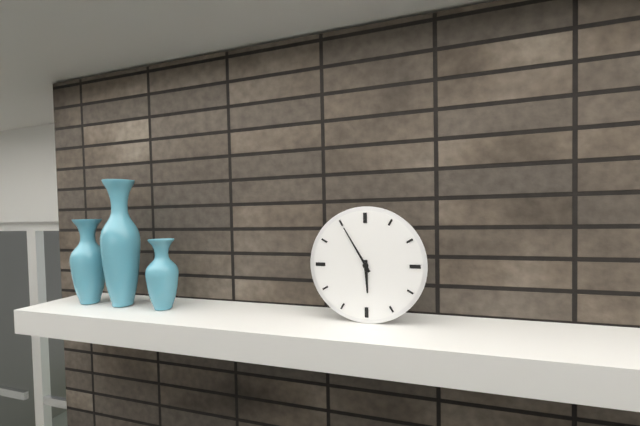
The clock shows 5.55
